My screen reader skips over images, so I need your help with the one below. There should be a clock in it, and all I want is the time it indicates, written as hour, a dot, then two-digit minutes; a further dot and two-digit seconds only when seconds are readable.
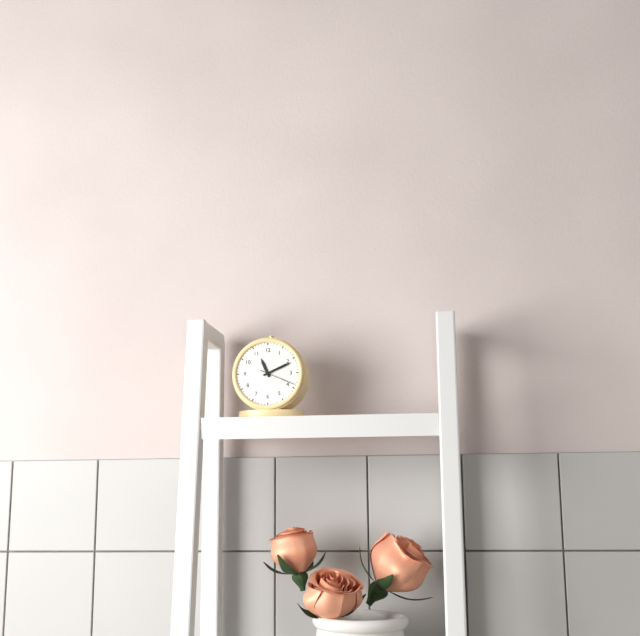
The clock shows 11.11
